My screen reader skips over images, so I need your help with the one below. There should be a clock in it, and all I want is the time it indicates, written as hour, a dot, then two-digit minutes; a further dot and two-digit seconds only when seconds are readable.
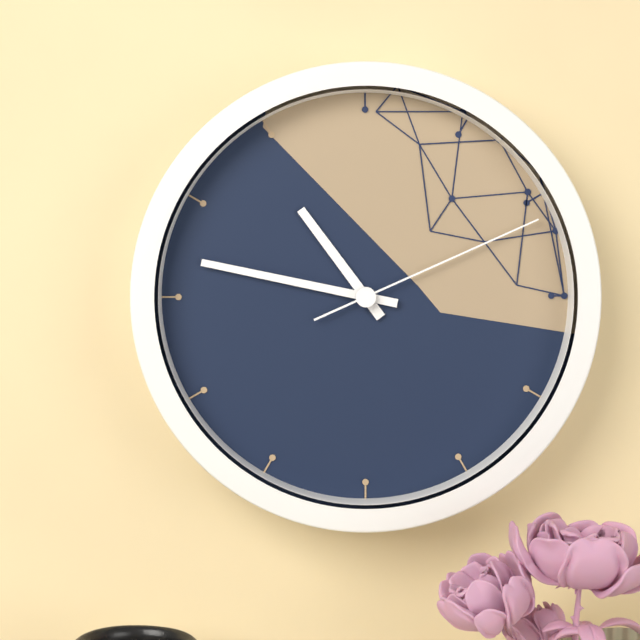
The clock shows 10.47.11
